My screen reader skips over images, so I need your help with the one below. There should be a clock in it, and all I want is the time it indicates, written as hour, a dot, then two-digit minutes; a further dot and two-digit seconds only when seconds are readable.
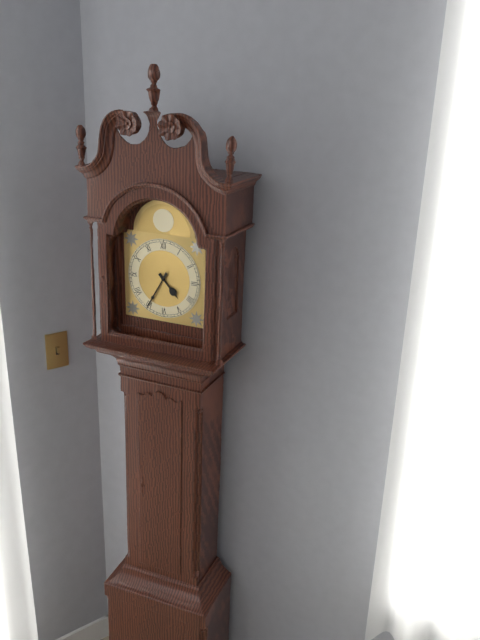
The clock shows 4.35
